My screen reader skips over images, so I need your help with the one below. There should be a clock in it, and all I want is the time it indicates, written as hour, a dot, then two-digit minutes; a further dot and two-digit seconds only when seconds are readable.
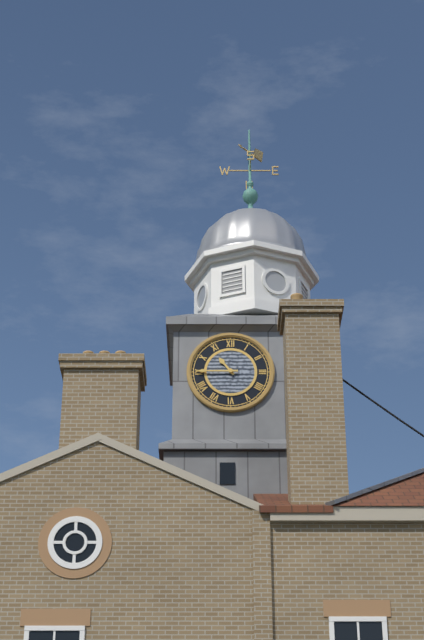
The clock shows 10.45
